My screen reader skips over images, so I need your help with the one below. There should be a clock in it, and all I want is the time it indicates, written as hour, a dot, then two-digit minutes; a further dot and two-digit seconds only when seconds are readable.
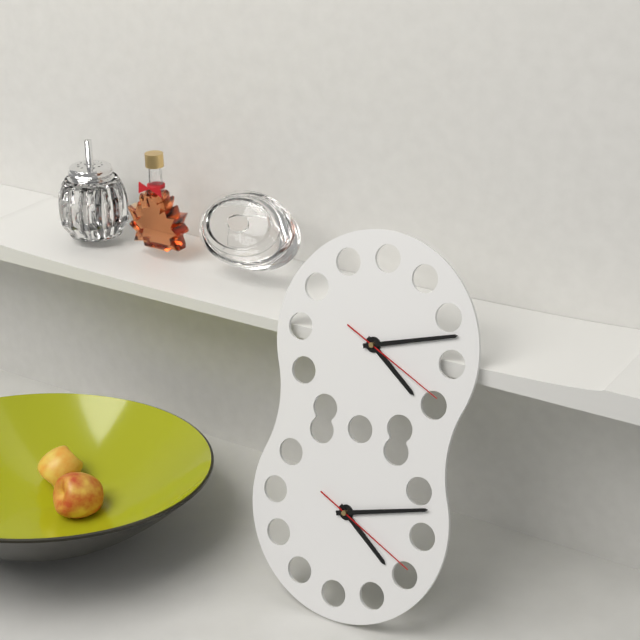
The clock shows 4.12.19
